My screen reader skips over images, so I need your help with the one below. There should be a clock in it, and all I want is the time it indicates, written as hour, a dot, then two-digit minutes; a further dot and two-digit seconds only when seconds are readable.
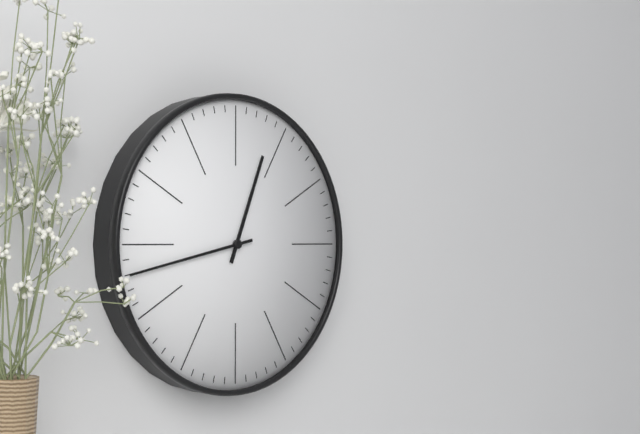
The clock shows 12.43
